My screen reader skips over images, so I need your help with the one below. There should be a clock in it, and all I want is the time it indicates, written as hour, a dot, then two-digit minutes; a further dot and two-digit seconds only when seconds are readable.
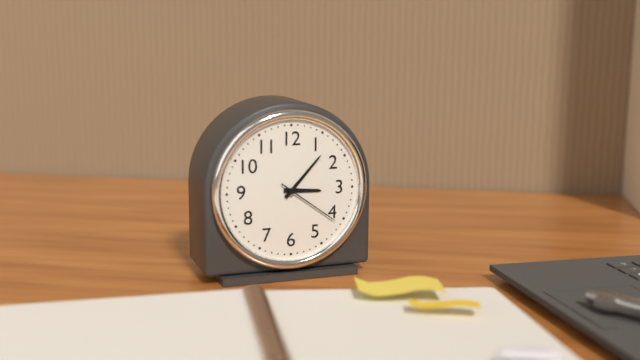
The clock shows 3.07.21
